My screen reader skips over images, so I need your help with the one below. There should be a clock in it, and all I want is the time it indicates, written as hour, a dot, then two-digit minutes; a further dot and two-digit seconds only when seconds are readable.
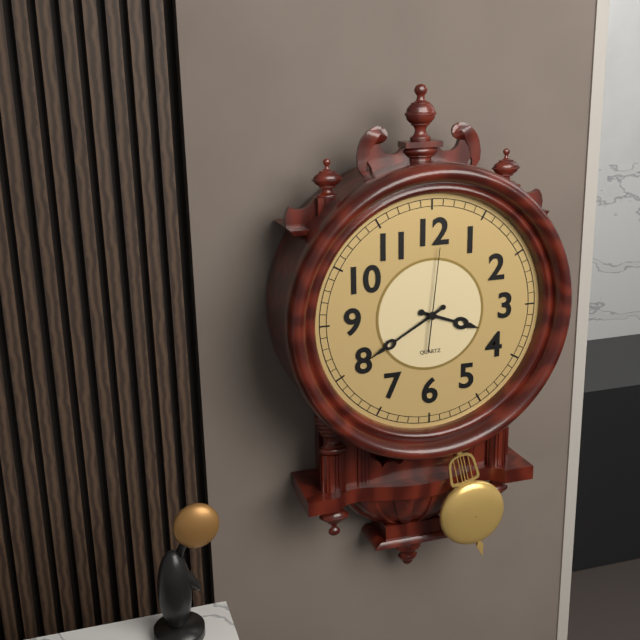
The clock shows 3.40.01
